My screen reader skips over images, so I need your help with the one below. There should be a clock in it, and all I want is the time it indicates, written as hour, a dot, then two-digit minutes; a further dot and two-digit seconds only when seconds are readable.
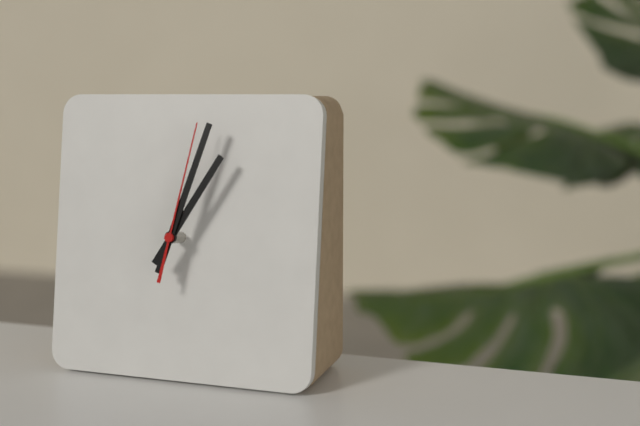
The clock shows 1.03.02
